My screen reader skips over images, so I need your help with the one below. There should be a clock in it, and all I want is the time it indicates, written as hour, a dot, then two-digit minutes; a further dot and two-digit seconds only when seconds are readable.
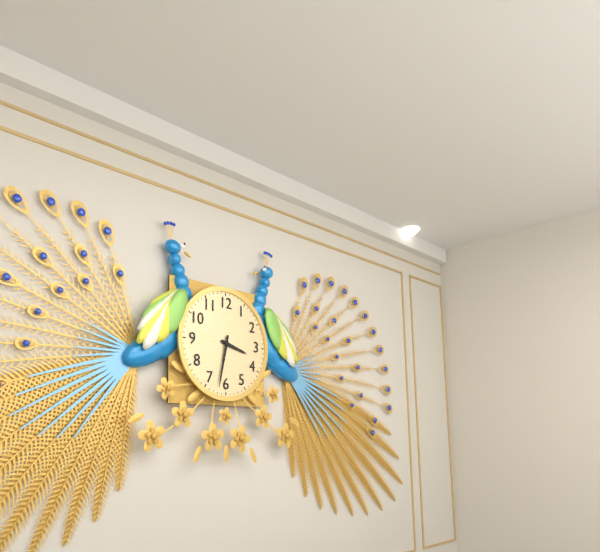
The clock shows 3.32
